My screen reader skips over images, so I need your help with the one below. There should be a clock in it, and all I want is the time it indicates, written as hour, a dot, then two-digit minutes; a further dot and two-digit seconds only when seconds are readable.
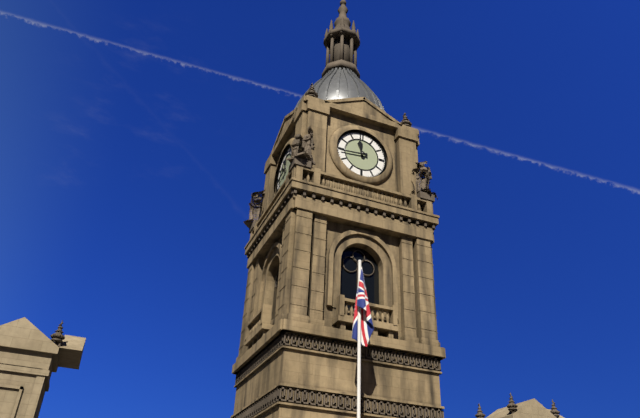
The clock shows 11.44
